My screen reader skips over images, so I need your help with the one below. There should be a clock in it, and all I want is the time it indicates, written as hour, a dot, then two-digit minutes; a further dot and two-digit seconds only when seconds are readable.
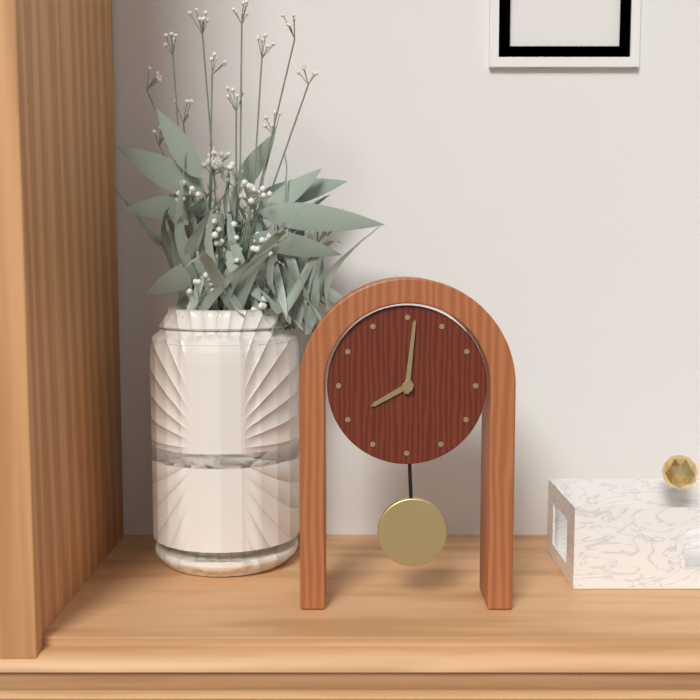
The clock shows 8.01
